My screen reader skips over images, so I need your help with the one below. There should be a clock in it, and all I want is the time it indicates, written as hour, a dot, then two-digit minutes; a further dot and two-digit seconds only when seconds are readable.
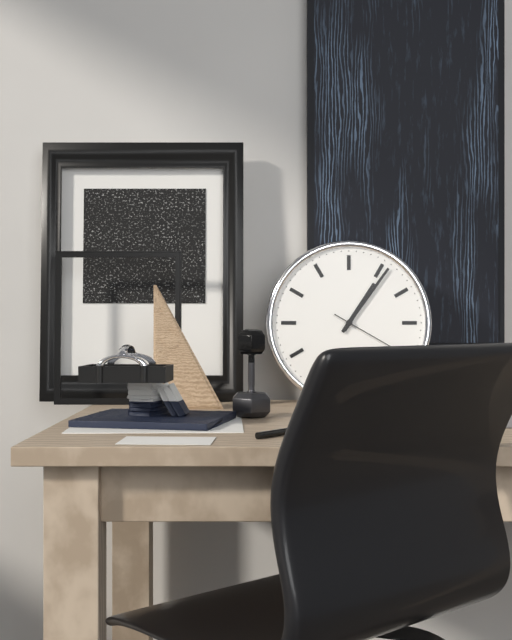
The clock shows 1.06
